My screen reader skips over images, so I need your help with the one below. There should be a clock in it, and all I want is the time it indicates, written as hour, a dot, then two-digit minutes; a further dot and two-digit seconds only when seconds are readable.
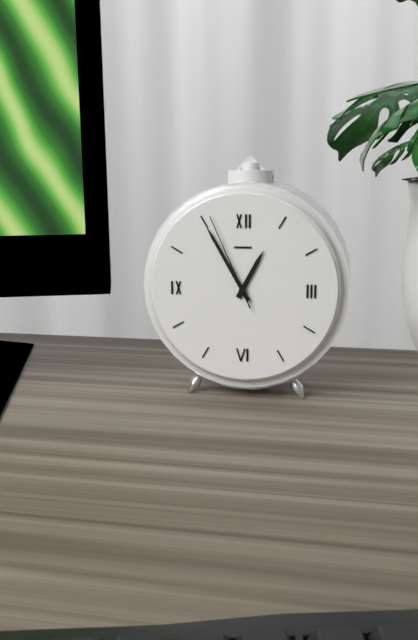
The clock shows 12.55.56
